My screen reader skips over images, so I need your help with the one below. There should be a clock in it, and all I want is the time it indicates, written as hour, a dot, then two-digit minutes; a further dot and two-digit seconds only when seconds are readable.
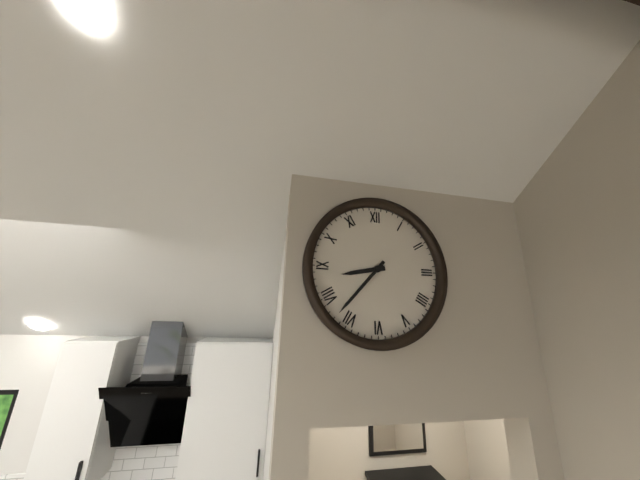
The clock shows 8.37
